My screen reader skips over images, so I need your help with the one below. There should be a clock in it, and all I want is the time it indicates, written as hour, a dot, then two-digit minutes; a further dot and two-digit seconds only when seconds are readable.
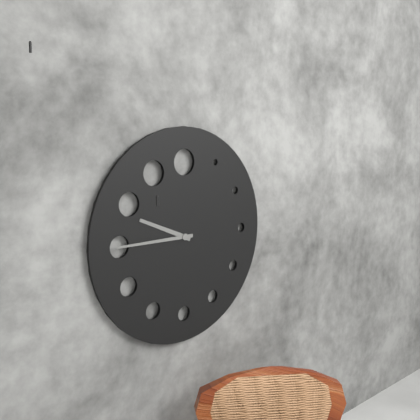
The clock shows 9.45
